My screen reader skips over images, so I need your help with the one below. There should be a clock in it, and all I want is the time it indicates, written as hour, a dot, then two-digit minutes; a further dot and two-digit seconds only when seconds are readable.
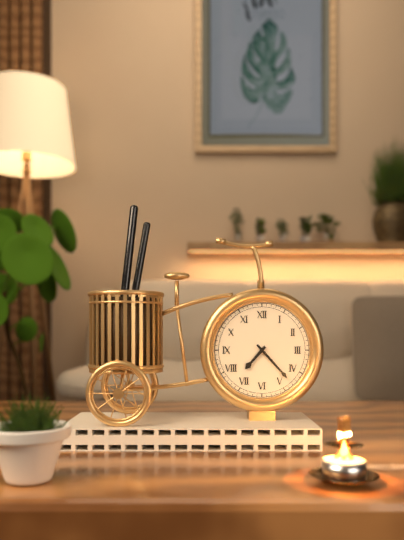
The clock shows 7.23
